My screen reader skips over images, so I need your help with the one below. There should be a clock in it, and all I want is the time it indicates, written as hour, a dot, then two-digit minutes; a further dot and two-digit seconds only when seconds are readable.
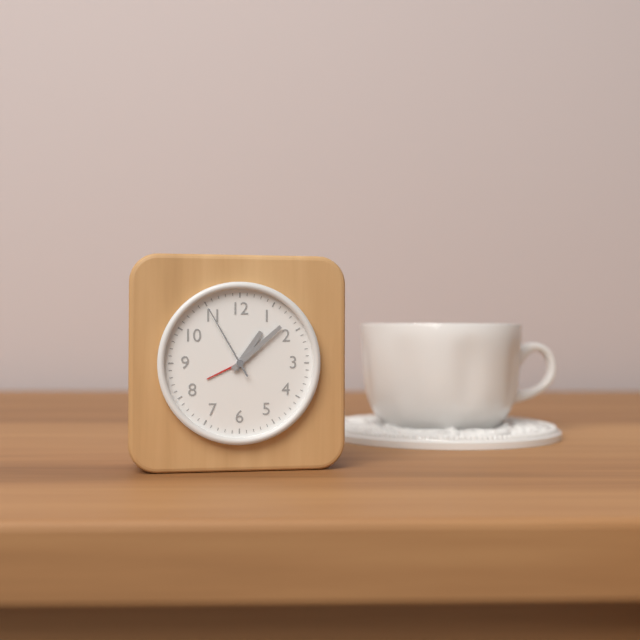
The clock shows 1.08.55
